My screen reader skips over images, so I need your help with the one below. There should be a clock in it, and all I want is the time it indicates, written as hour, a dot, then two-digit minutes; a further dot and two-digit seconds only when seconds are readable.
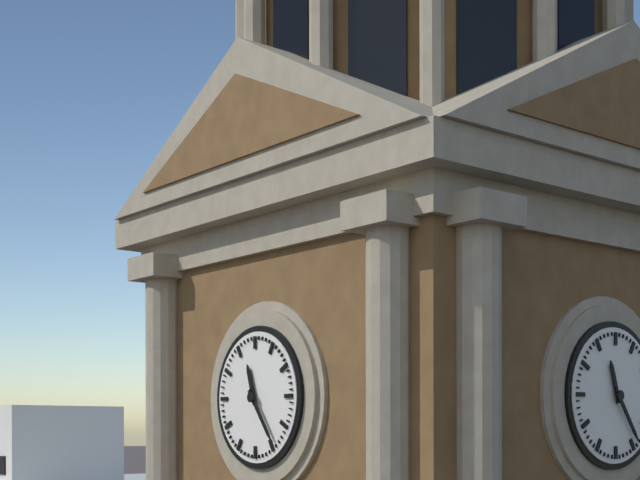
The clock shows 11.24
